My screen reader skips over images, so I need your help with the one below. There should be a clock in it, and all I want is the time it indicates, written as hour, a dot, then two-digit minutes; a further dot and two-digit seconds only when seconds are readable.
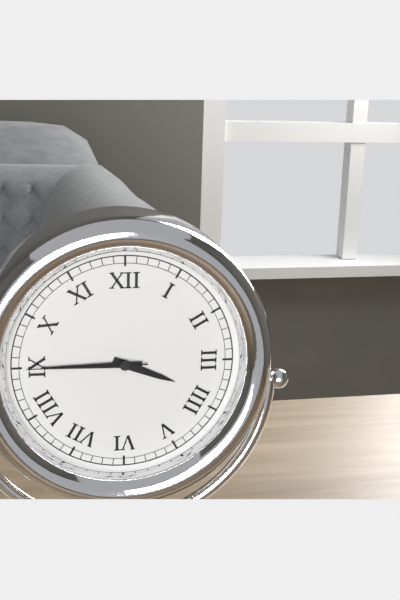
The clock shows 3.45.45
